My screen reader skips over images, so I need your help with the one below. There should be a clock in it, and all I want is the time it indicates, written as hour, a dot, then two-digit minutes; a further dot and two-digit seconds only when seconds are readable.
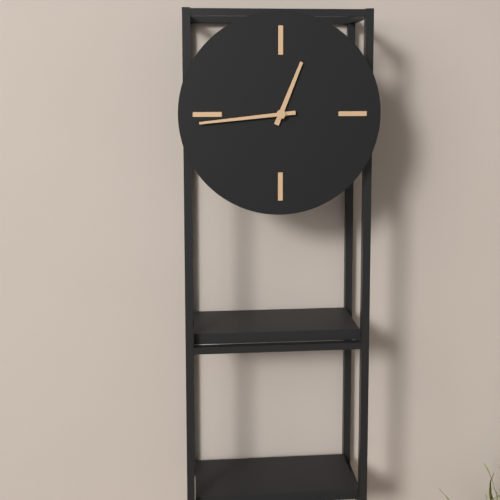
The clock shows 12.44
